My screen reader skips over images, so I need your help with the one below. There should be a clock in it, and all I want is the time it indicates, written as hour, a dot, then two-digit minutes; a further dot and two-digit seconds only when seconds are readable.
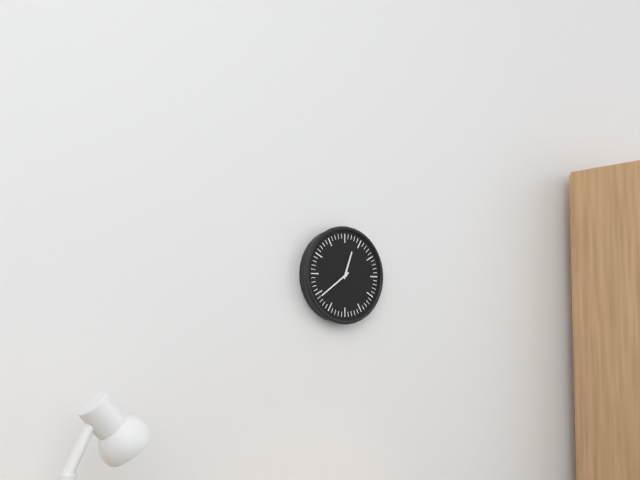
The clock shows 12.39
